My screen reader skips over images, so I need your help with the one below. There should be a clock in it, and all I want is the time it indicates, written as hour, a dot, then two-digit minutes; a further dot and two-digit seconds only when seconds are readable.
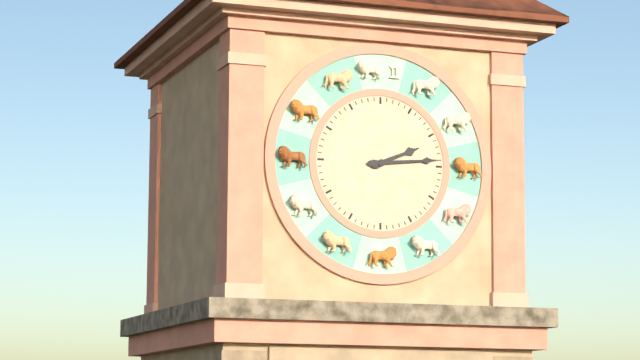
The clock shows 2.14
